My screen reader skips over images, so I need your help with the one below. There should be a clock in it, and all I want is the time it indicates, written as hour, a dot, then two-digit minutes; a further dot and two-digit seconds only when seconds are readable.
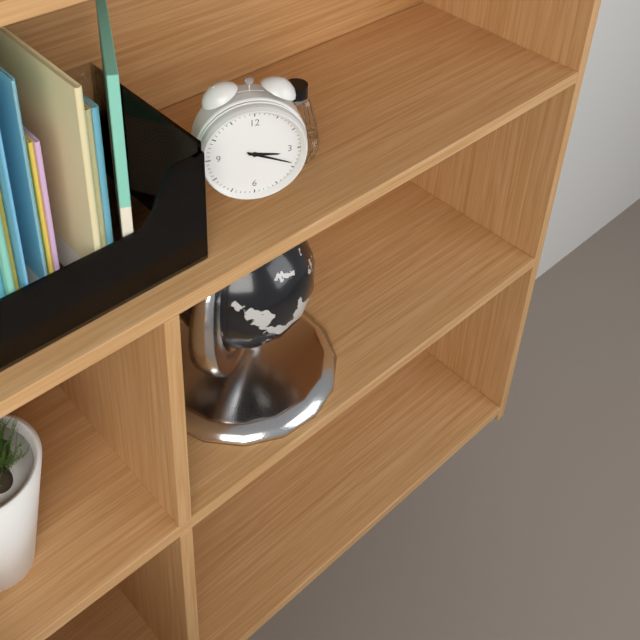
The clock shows 3.19
